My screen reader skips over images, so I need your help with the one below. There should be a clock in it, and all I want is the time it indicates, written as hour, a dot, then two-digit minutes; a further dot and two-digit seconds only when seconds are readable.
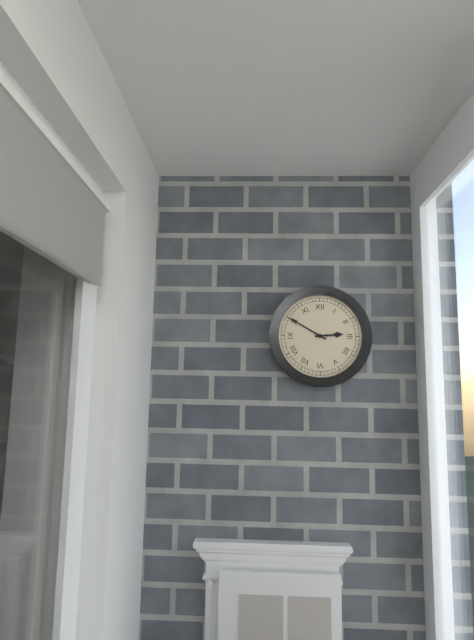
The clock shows 2.50
